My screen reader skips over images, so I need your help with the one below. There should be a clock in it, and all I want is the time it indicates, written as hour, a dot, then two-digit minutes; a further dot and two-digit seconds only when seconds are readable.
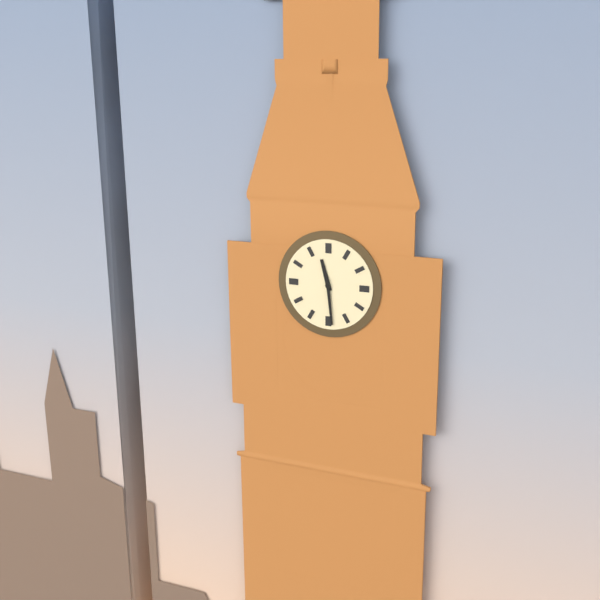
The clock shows 11.29
